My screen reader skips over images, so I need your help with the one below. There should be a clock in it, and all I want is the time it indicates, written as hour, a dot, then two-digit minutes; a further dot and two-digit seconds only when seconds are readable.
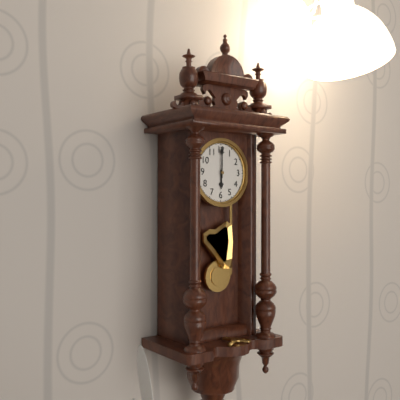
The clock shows 6.00
